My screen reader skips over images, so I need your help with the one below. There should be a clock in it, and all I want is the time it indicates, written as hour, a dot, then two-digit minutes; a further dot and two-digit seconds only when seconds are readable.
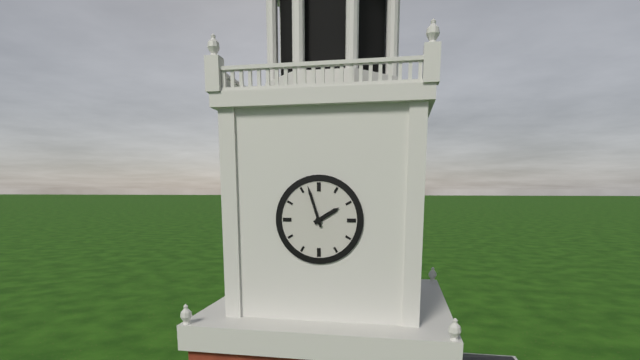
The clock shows 1.57
